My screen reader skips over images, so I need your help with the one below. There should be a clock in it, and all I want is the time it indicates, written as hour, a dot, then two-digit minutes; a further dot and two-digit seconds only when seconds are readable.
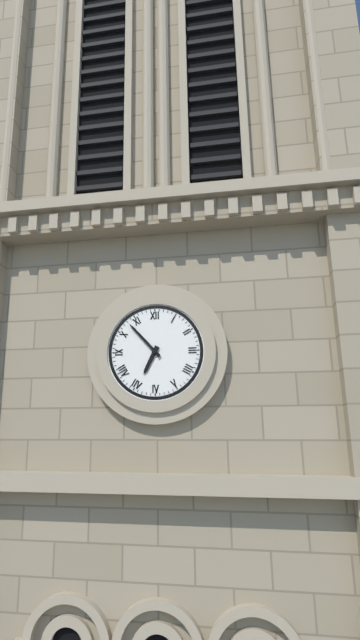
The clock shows 6.53
